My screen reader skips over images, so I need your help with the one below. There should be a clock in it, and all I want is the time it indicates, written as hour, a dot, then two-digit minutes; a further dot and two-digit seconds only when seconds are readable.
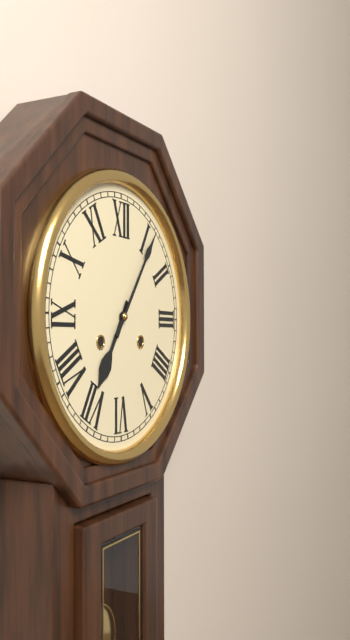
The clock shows 7.06
